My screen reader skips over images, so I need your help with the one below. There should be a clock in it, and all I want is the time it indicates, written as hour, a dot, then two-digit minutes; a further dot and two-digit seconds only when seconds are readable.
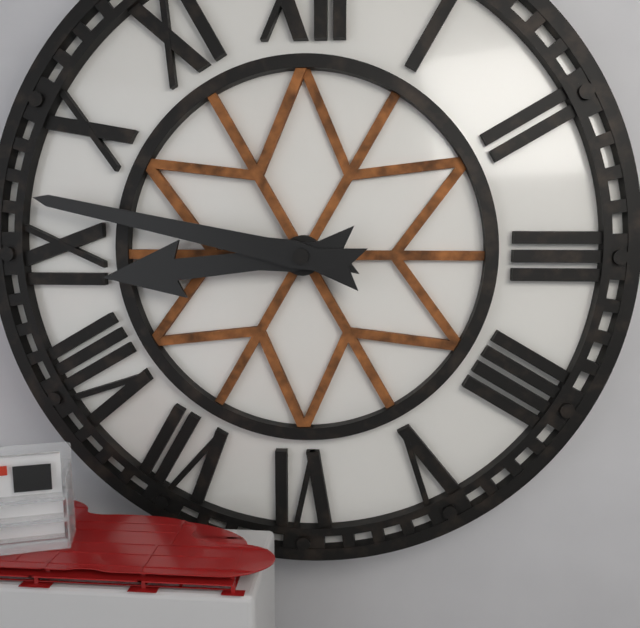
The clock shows 8.47
